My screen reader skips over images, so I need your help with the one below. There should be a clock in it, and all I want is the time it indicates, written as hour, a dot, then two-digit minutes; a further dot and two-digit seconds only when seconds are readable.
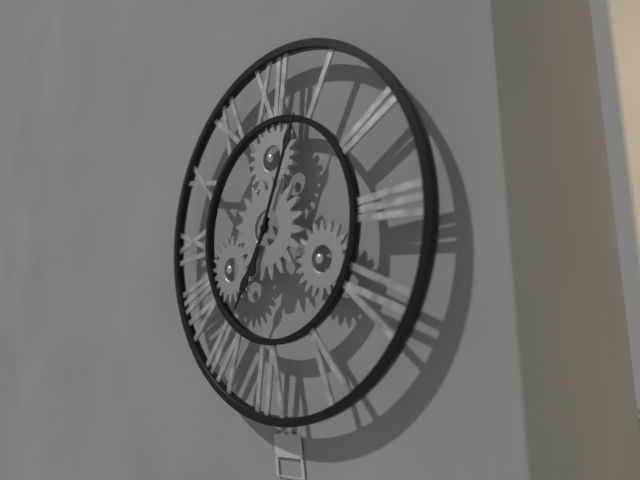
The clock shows 7.04
